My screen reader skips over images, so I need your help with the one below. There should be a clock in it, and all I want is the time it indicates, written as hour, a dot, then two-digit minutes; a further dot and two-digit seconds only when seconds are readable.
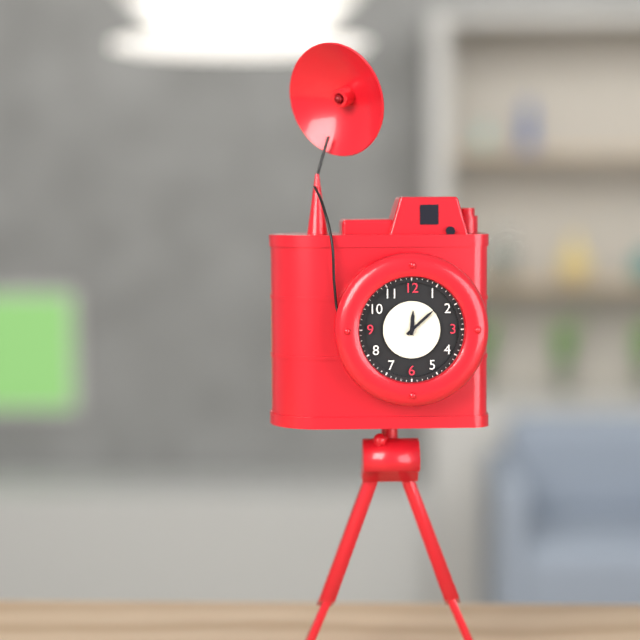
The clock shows 12.08
